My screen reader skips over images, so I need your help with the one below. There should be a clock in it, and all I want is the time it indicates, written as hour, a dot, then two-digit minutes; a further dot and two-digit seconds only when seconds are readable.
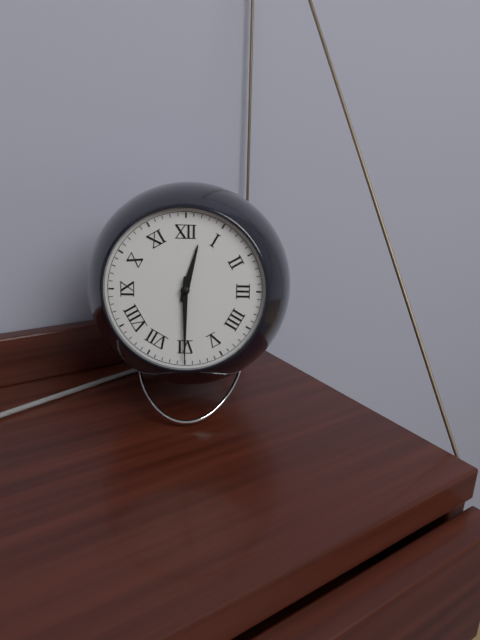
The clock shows 12.30
